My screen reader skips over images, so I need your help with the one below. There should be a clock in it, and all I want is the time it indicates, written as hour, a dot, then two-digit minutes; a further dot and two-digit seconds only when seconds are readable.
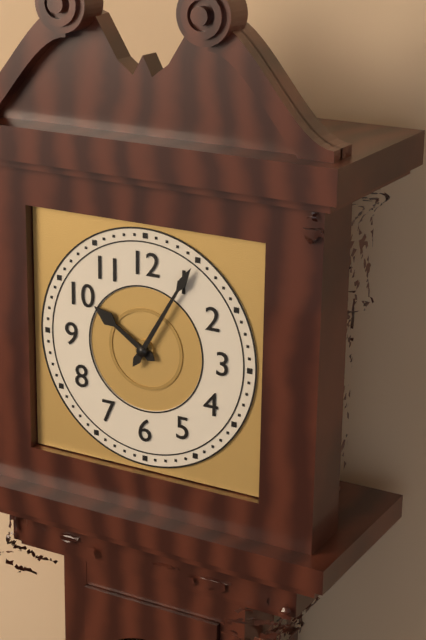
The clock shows 10.05
